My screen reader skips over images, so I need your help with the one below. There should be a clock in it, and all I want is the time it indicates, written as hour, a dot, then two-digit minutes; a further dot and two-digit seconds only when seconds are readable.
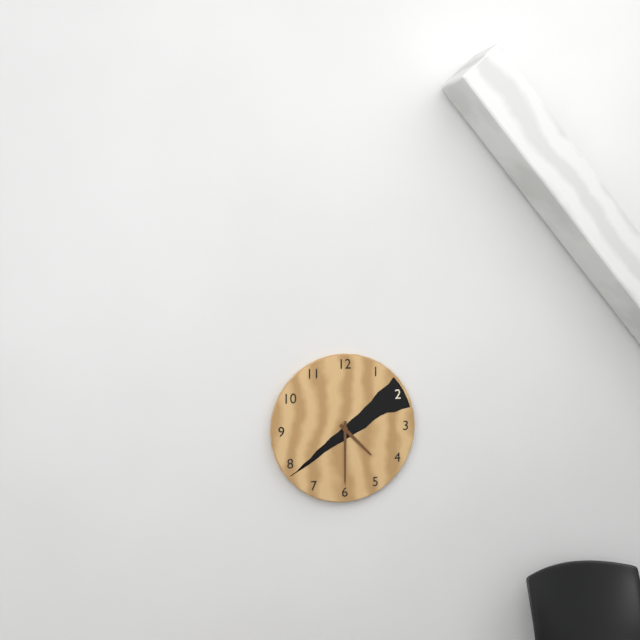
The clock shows 4.30
